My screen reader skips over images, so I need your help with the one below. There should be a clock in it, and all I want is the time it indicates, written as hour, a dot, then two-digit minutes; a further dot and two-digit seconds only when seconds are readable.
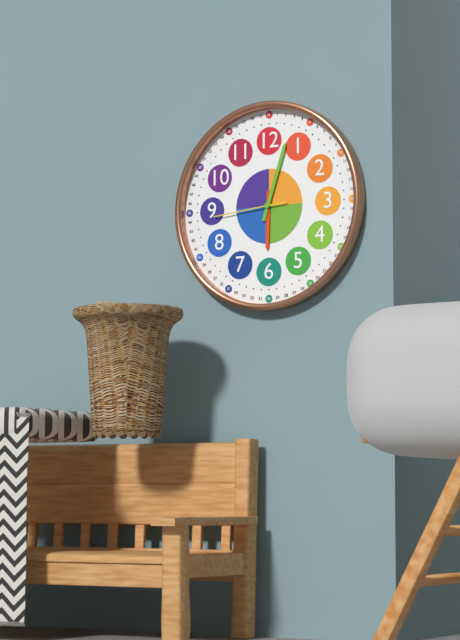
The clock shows 6.03.44
